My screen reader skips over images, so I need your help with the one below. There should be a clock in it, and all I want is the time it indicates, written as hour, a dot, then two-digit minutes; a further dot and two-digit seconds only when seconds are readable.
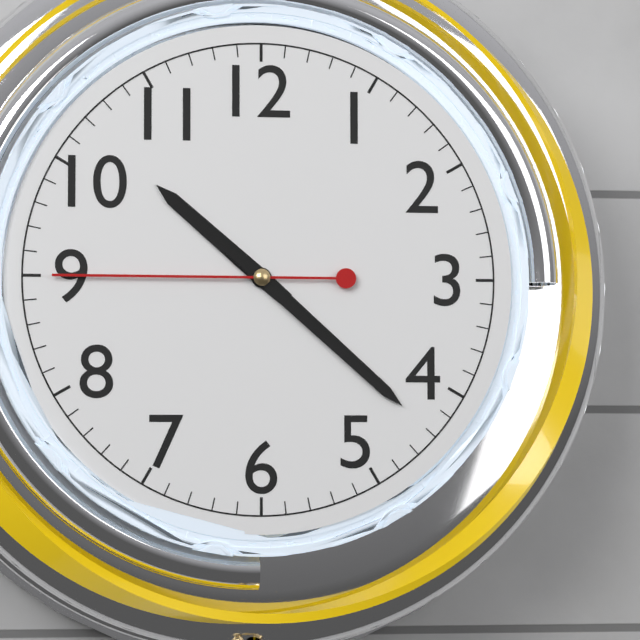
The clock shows 10.22.45
